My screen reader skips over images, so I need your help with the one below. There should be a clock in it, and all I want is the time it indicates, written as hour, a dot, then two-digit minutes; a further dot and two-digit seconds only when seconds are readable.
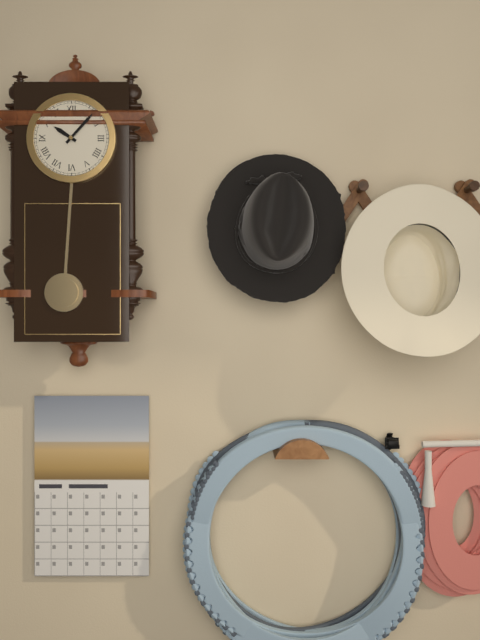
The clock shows 10.07
